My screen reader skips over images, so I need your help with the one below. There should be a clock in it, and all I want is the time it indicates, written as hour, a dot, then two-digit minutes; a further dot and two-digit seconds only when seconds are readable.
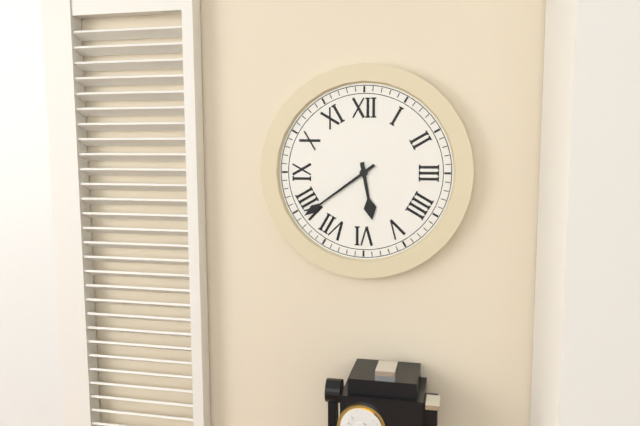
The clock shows 5.39
